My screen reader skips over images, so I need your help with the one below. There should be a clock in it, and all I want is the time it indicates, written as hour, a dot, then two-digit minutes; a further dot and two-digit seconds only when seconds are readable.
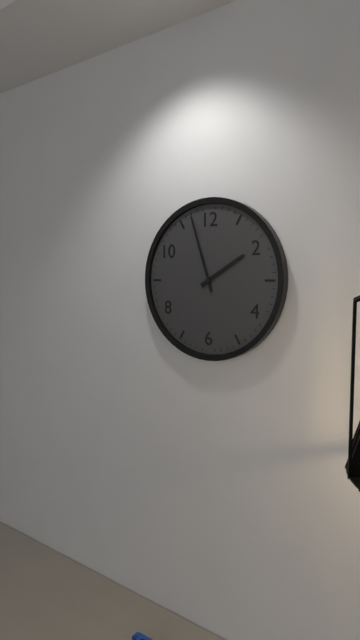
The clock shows 1.57
